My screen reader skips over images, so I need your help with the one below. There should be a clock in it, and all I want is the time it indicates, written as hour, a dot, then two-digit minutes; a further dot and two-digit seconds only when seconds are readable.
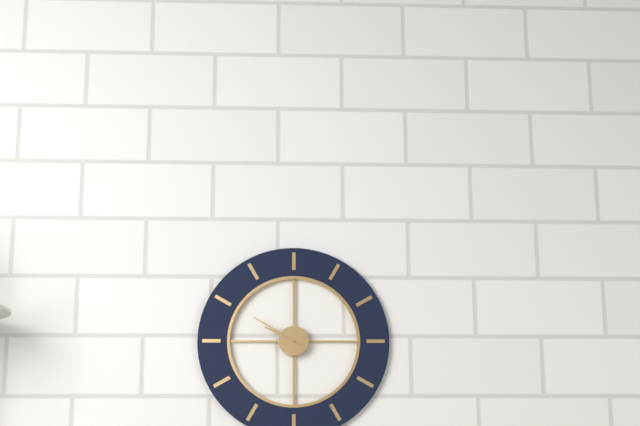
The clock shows 9.50
